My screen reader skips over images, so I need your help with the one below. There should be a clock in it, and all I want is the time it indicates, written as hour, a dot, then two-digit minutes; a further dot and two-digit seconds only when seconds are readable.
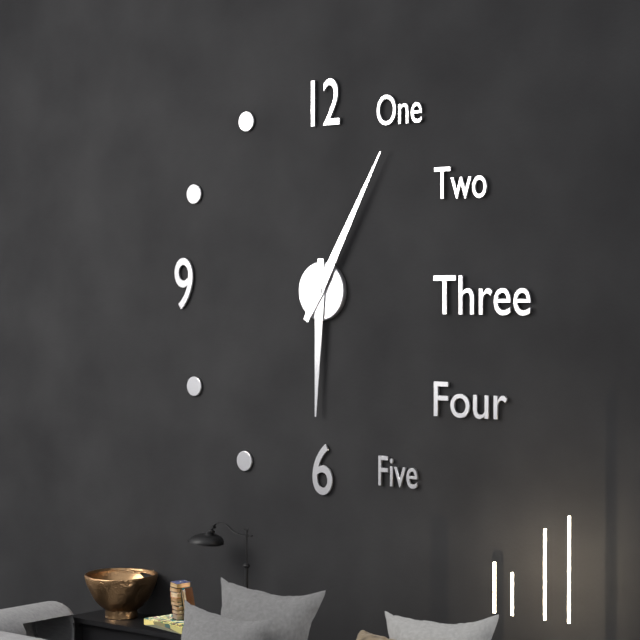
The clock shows 6.05
